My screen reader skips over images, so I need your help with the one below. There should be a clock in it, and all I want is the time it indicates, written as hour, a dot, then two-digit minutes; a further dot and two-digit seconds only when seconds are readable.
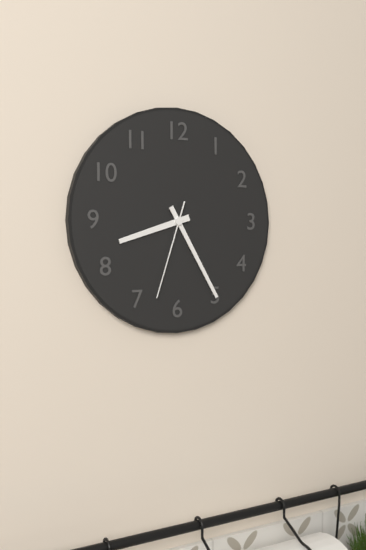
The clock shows 8.25.33
